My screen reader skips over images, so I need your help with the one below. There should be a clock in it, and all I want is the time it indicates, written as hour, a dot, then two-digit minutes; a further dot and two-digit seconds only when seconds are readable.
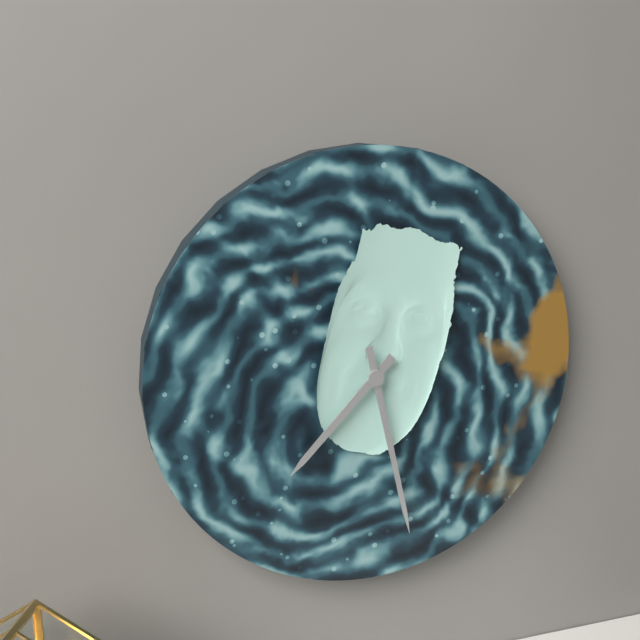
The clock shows 7.28
